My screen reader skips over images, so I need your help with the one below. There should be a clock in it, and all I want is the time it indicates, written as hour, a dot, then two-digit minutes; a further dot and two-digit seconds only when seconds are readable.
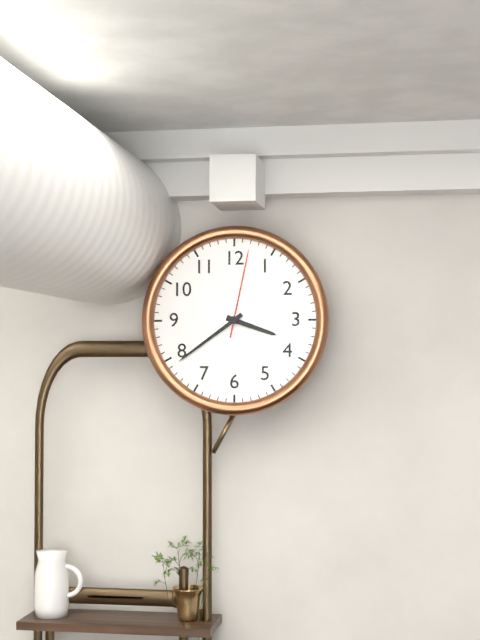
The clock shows 3.39.02
